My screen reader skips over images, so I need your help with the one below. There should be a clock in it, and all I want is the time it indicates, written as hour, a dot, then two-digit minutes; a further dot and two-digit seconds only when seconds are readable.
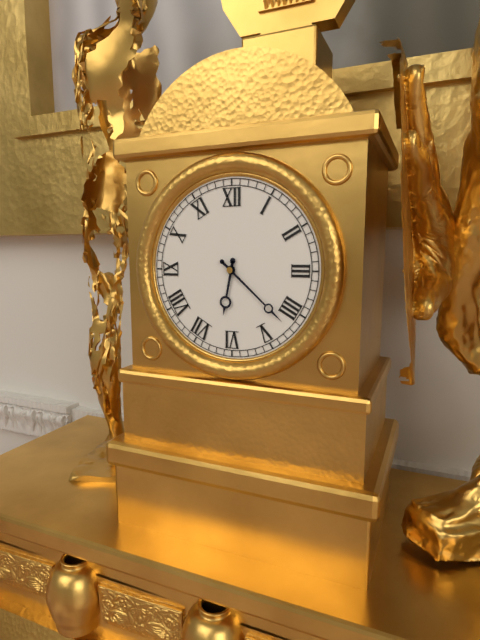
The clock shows 6.22
